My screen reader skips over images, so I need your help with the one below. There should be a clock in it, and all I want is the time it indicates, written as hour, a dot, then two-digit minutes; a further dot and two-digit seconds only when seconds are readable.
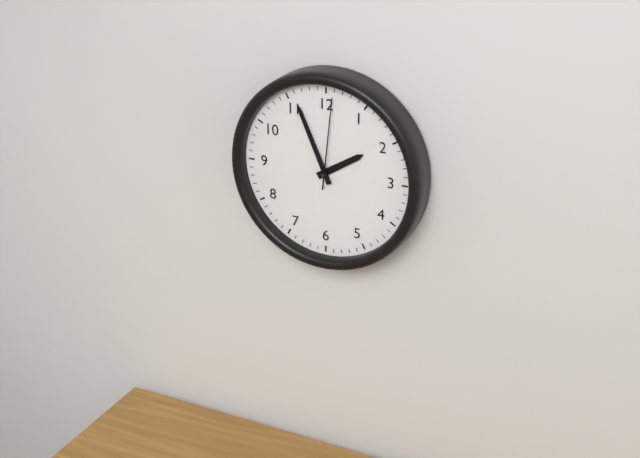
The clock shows 1.56.01
